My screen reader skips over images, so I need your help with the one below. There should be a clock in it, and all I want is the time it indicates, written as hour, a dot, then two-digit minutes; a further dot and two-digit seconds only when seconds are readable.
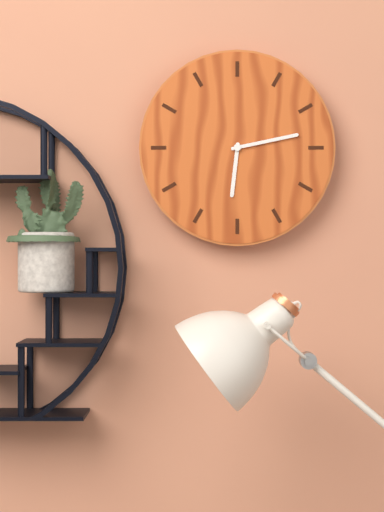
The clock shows 6.13
